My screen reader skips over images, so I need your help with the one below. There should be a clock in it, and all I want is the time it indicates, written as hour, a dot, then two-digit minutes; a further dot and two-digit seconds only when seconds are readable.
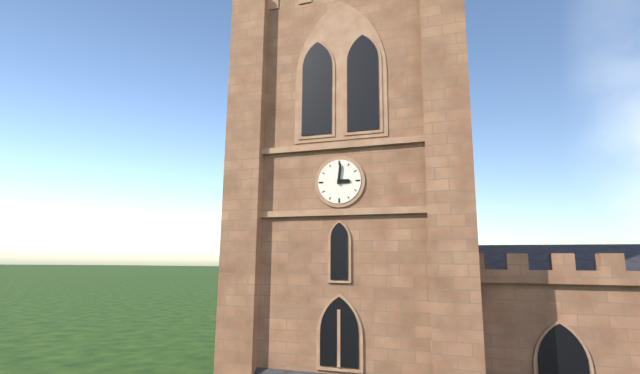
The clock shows 3.01
